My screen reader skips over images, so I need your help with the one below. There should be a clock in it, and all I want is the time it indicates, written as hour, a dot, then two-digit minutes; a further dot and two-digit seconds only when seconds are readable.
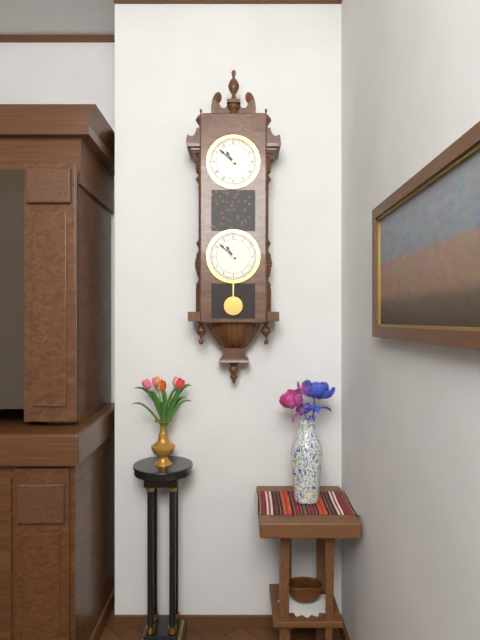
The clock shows 10.52
